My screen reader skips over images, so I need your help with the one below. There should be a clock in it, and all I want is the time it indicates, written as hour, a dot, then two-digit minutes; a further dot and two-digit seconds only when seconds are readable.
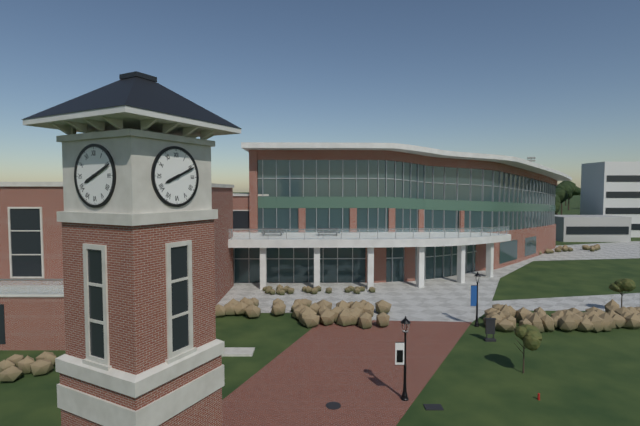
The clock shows 8.11
